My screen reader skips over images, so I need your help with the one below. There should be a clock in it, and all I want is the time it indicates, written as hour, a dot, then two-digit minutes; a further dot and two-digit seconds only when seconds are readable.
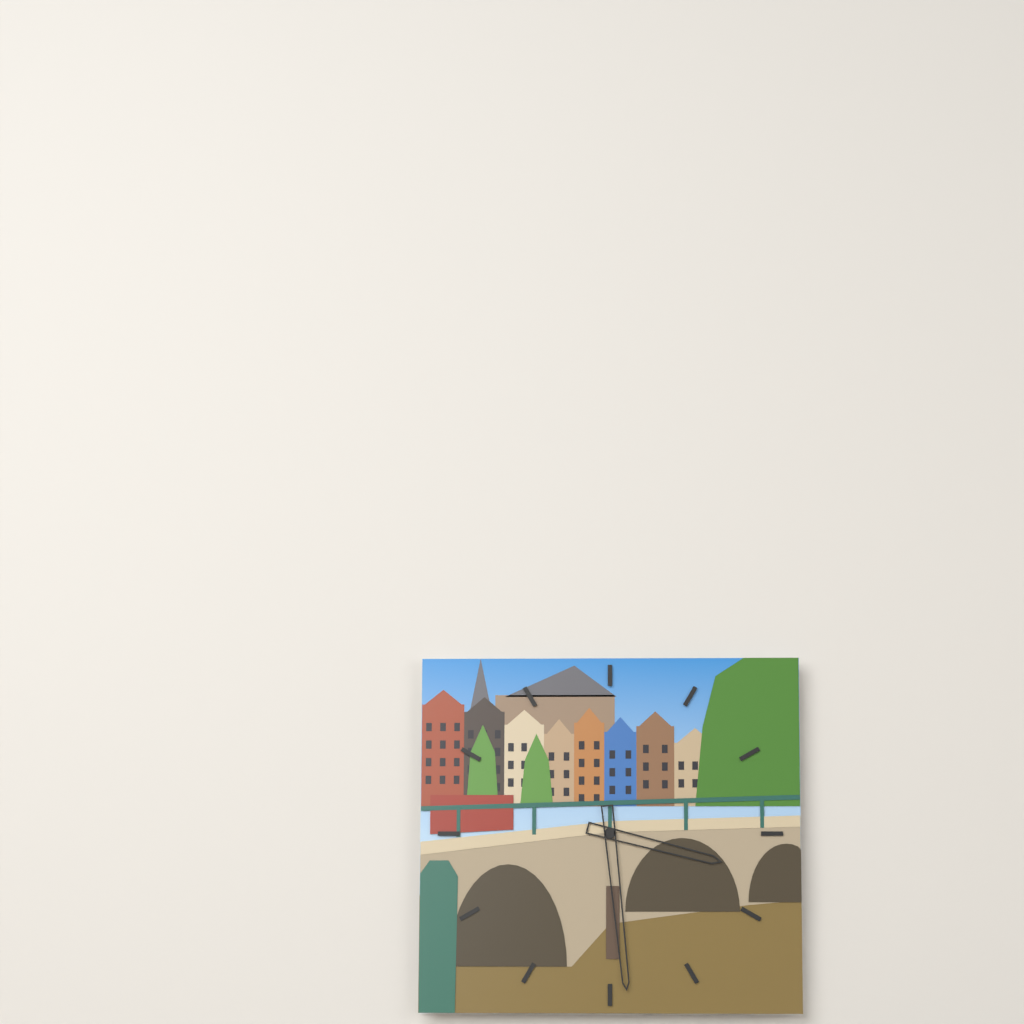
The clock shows 3.29
